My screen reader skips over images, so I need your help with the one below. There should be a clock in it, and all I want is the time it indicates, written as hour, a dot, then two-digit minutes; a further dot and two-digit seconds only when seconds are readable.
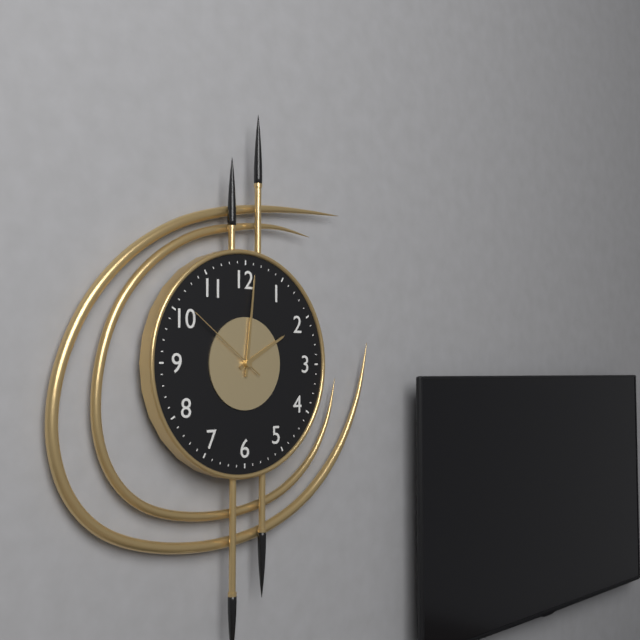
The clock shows 2.01.51
